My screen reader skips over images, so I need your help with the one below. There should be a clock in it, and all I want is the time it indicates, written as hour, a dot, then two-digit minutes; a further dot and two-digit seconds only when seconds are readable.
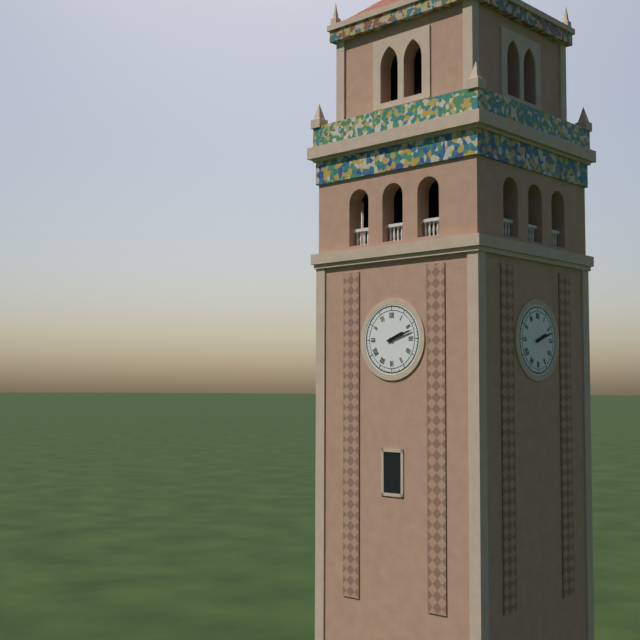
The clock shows 2.12
